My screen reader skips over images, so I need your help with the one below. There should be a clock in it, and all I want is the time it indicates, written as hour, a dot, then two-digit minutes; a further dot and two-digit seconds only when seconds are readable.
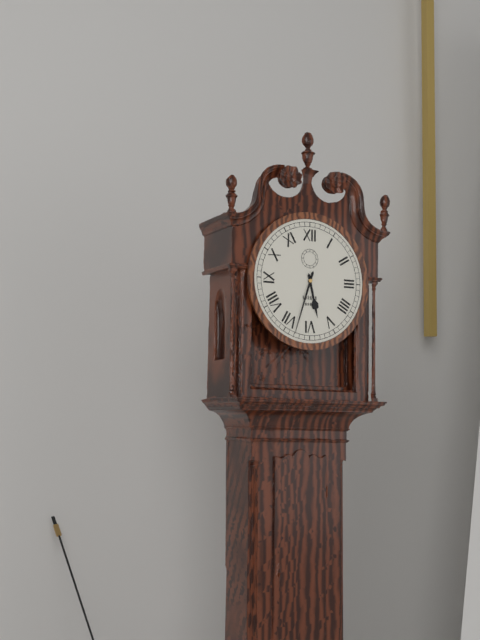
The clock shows 5.33
